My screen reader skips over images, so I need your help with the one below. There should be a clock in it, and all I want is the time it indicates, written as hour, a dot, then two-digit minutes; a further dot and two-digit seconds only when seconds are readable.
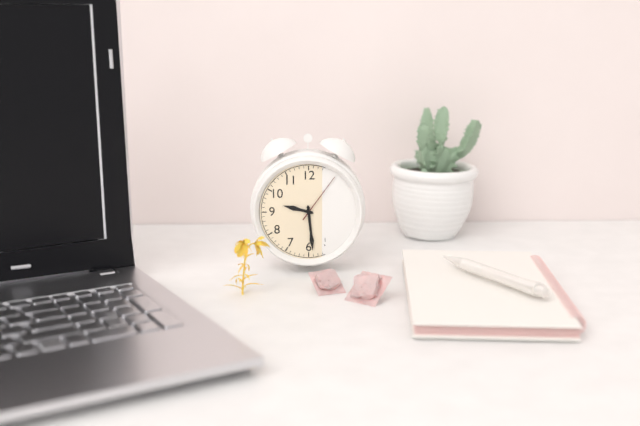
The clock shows 9.29.06
